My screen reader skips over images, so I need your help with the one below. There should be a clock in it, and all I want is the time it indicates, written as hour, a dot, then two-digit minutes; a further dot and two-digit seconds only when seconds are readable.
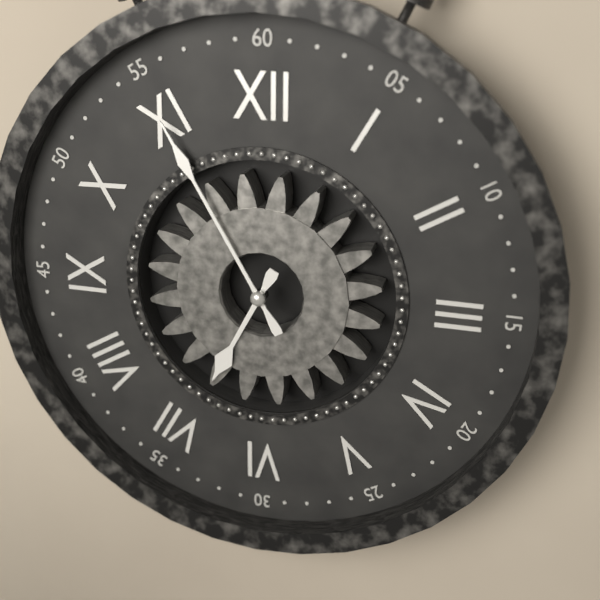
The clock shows 6.55
